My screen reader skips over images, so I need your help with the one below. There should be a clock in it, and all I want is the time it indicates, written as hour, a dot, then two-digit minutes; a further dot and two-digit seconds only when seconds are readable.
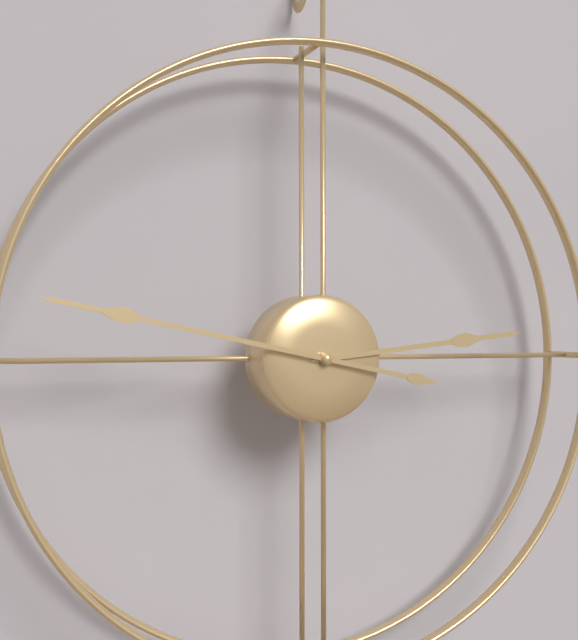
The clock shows 2.47
